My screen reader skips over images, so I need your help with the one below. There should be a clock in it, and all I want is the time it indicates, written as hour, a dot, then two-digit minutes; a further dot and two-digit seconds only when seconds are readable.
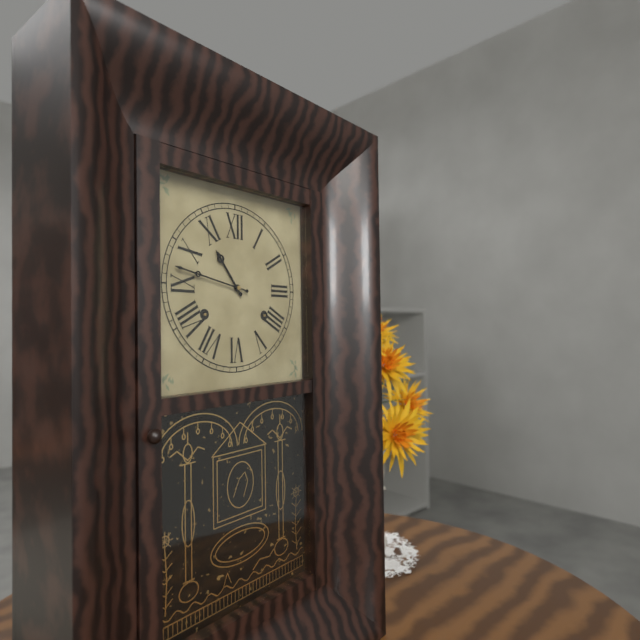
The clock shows 10.47
